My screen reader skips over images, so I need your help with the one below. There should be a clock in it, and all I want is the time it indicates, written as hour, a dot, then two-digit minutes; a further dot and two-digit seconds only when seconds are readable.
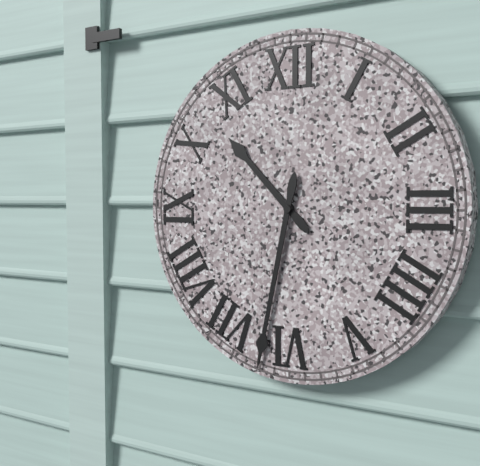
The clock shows 10.32
